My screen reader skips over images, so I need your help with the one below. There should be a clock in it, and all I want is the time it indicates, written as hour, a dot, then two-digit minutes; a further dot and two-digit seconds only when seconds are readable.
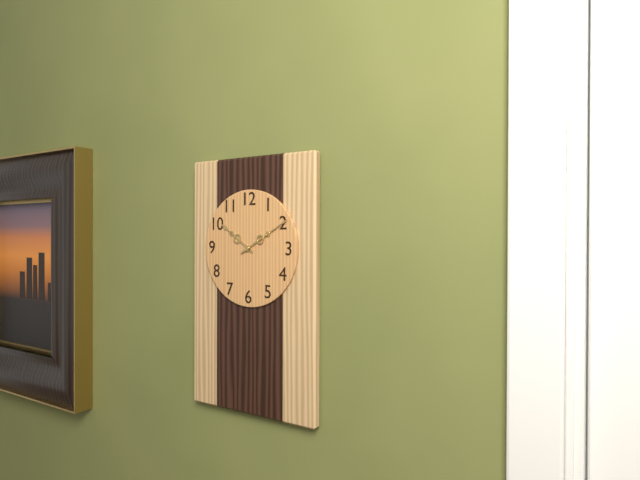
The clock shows 10.10
